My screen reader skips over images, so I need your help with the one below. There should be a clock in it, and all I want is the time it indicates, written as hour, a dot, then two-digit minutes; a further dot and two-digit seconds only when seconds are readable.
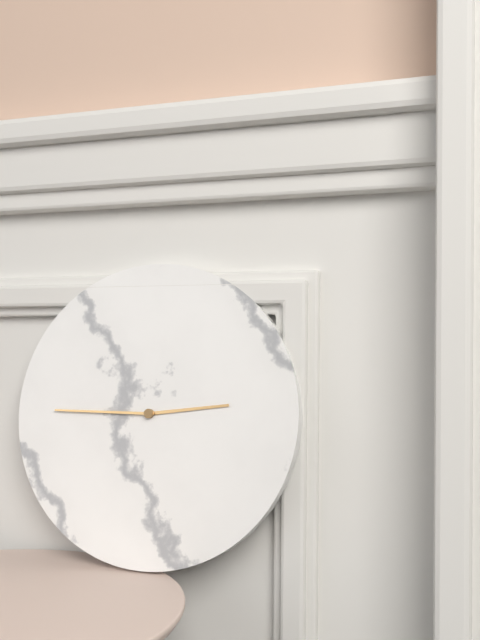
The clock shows 2.45
